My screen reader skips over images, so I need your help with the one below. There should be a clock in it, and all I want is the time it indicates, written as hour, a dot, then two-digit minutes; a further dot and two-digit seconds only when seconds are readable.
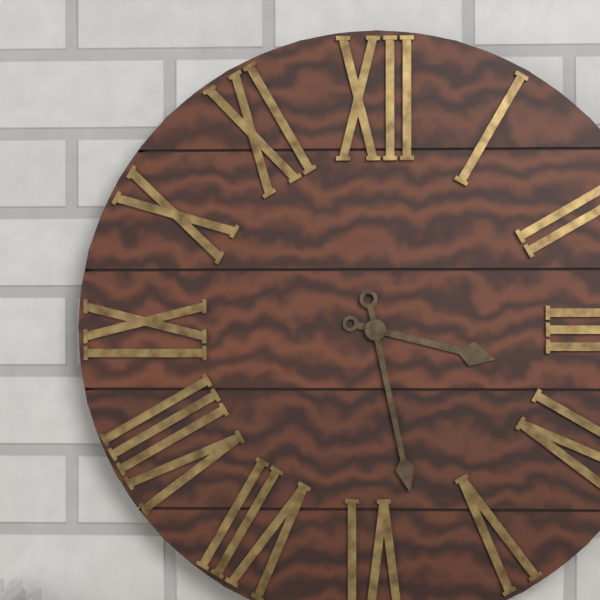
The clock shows 3.28
